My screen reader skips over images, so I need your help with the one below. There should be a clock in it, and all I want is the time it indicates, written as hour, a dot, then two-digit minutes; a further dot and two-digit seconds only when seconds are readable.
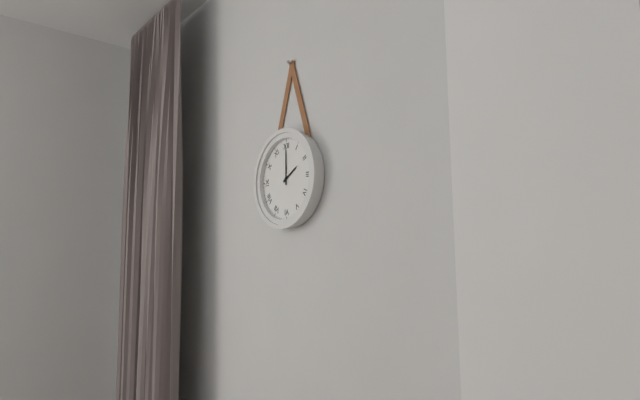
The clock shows 2.00
